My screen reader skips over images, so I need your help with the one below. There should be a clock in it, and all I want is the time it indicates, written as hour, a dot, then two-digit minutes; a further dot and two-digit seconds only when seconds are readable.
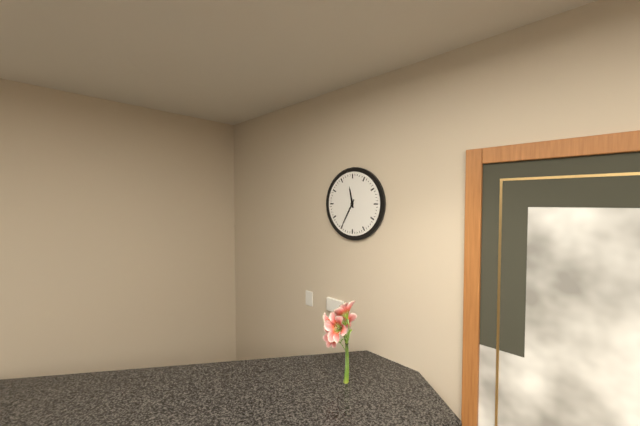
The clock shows 11.35
